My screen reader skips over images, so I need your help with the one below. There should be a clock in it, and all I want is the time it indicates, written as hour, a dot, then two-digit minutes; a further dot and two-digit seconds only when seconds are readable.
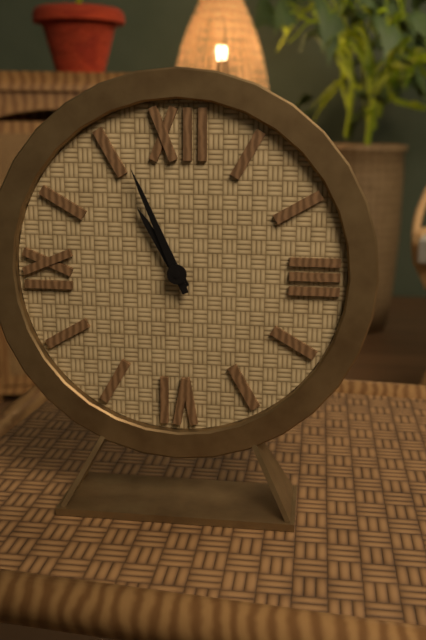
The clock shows 10.56
